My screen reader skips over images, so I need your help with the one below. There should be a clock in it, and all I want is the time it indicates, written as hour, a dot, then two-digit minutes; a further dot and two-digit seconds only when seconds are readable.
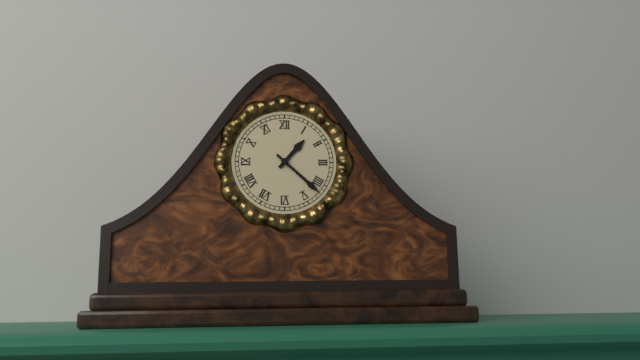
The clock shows 1.22
